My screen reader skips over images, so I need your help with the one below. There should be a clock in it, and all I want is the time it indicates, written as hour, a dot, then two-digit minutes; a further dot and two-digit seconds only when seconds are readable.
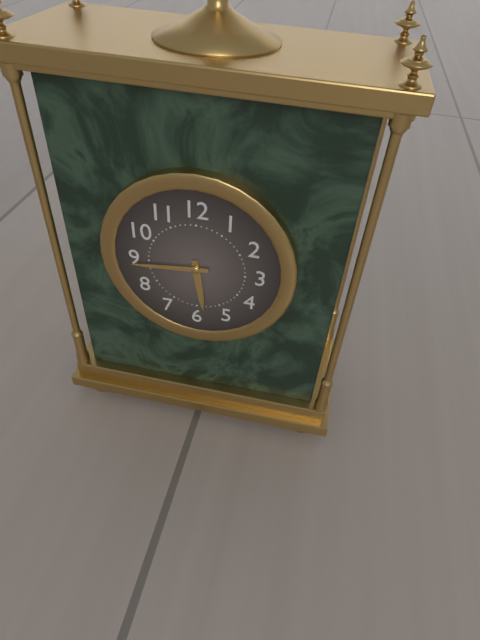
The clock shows 5.44
